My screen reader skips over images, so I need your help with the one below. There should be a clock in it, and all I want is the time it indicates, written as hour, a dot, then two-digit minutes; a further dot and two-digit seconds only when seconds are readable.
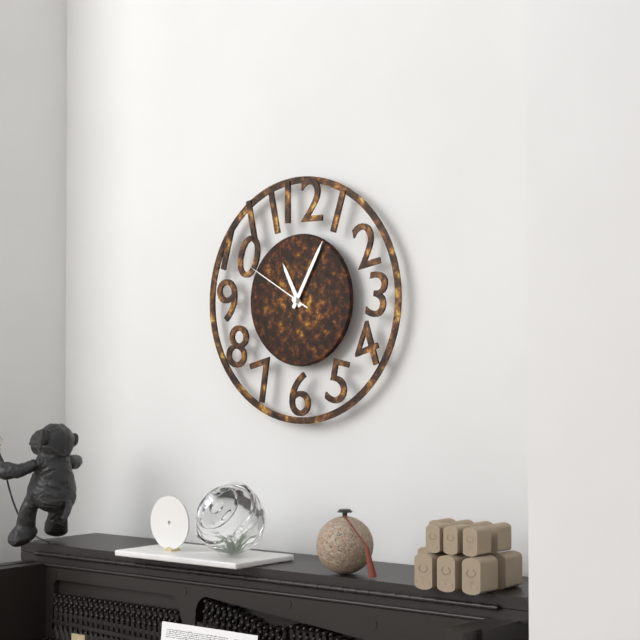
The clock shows 11.05.50
